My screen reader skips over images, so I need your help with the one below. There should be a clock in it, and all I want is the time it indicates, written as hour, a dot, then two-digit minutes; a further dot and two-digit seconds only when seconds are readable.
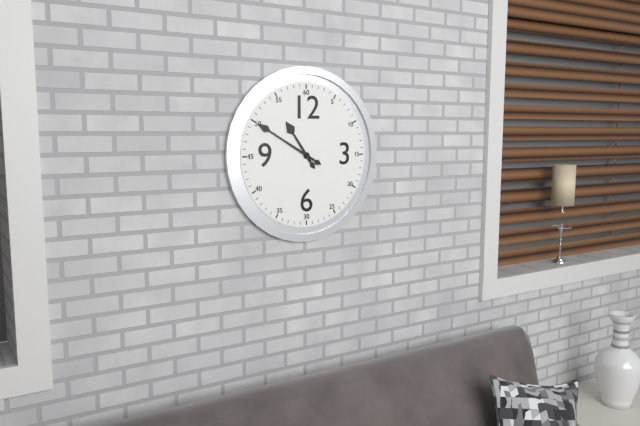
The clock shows 10.50
